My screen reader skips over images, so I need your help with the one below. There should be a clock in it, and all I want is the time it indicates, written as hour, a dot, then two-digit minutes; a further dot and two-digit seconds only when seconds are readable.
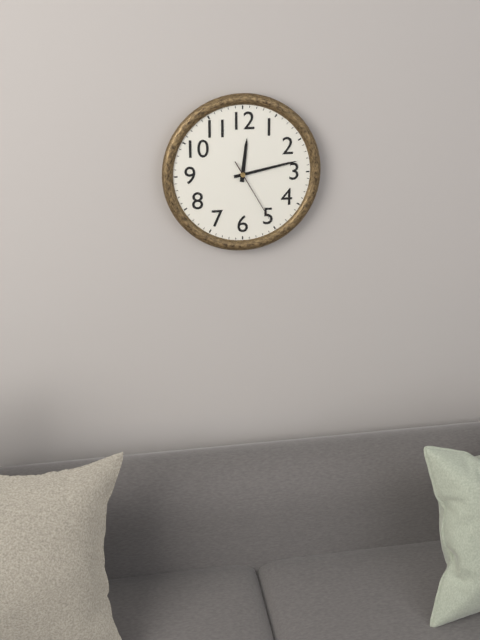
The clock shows 12.13.25
